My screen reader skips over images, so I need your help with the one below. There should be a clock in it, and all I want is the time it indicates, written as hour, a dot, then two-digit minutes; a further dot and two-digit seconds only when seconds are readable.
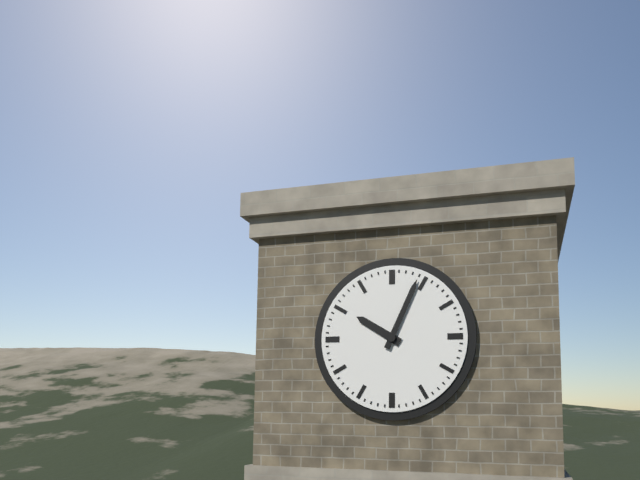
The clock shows 10.04
